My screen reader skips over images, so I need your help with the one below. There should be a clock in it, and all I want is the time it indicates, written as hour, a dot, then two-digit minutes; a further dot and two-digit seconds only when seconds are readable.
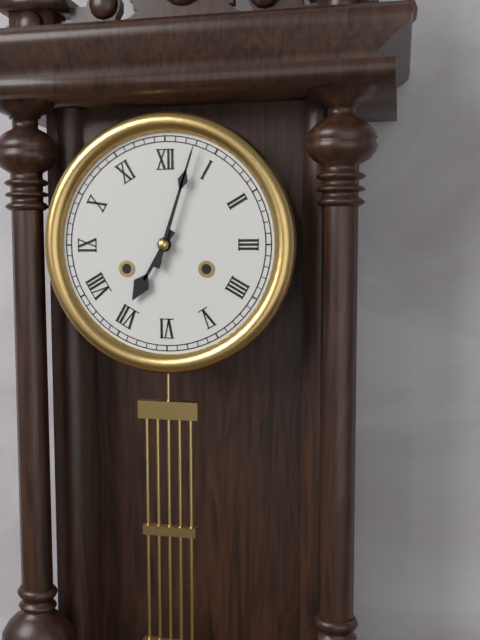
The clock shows 7.03
